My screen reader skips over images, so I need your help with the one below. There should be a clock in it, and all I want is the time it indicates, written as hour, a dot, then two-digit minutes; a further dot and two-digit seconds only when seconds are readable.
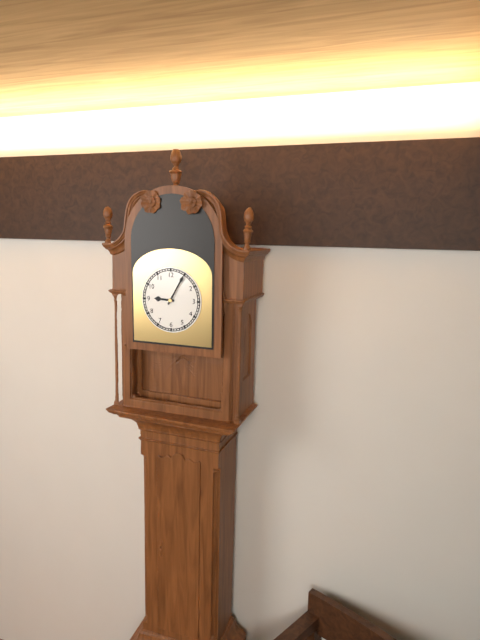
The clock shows 9.05
